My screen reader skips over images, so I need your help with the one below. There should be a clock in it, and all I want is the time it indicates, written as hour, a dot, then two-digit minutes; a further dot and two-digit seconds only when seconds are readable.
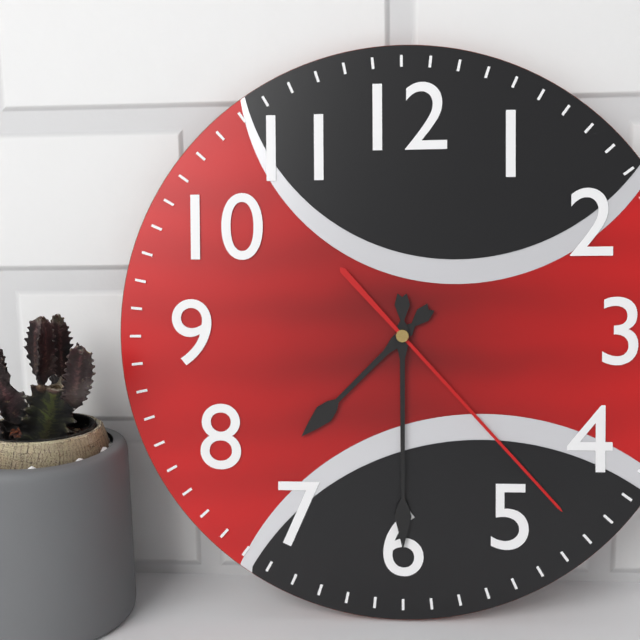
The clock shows 7.30.23
